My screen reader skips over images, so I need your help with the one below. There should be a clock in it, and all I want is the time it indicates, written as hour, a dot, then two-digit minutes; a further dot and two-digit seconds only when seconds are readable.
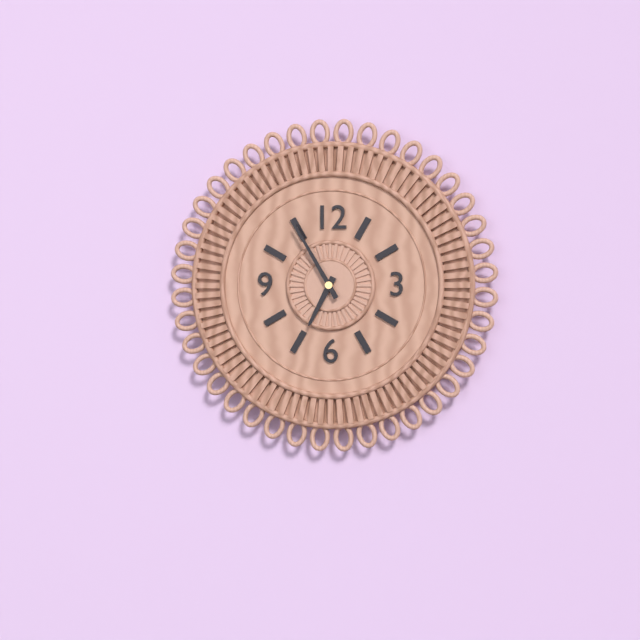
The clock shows 6.55
